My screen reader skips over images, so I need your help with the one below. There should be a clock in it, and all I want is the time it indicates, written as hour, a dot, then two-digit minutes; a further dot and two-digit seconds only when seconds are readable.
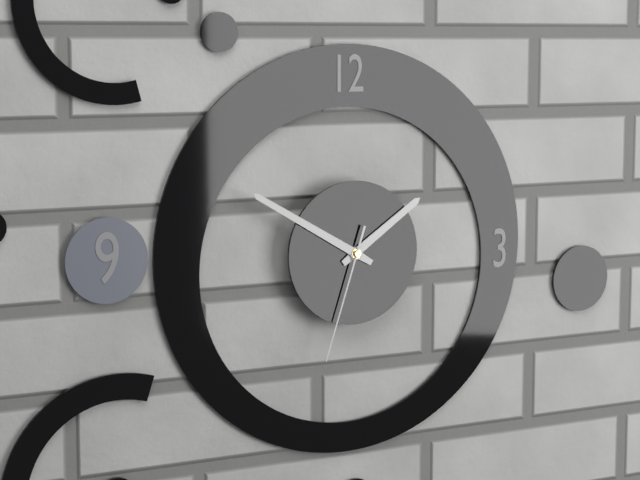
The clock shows 1.50.33
